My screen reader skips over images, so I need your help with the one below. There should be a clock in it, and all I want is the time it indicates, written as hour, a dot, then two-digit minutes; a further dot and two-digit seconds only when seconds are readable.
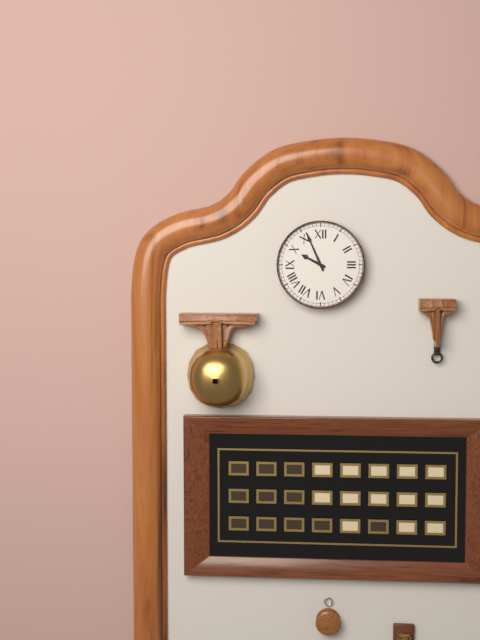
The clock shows 9.56
